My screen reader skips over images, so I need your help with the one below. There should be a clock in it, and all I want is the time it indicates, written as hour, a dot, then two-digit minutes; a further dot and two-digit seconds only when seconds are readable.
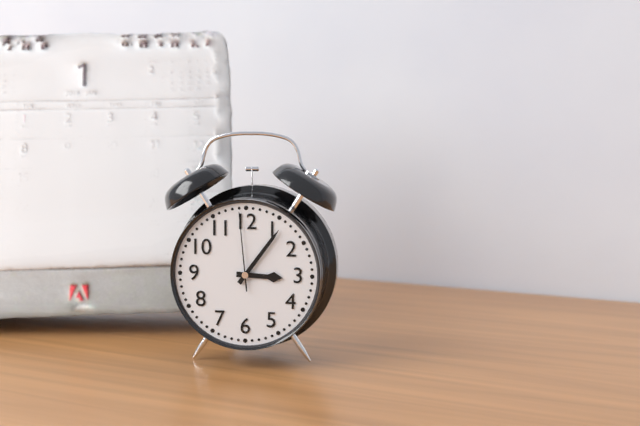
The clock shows 3.06.59
